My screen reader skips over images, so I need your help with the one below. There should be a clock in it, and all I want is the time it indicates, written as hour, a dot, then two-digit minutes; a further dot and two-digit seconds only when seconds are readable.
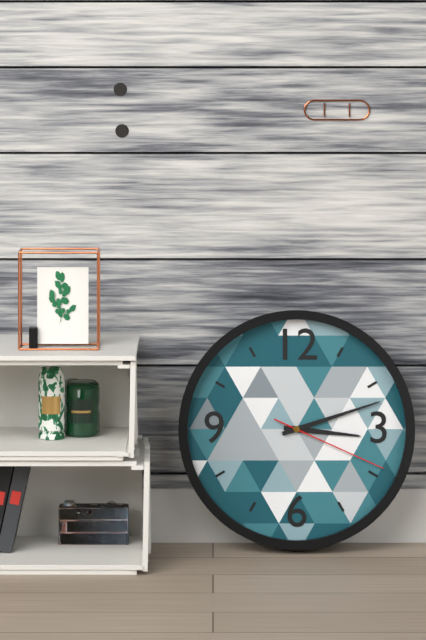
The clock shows 3.12.19
